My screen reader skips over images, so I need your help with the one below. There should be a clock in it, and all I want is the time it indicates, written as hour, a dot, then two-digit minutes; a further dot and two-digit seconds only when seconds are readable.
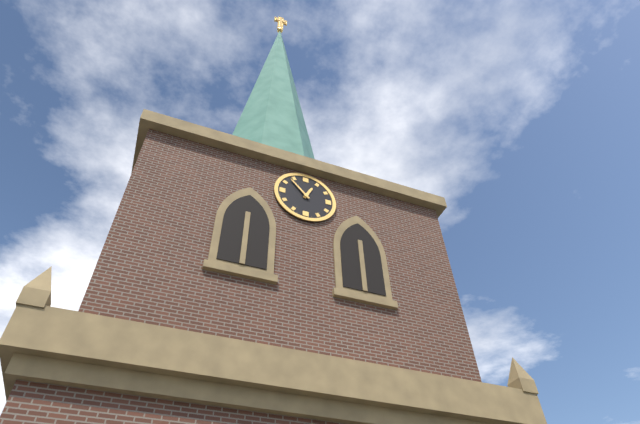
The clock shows 12.53
